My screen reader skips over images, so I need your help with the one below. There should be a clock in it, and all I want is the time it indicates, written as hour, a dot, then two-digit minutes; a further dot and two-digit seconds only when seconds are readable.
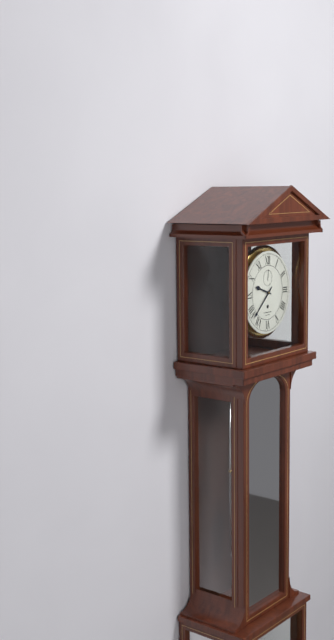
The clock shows 9.38
